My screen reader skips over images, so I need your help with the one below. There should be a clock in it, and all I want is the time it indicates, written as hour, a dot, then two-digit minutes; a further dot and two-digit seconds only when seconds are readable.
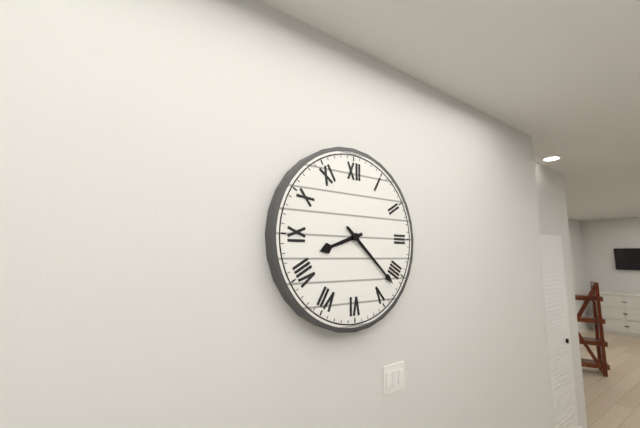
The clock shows 8.22
